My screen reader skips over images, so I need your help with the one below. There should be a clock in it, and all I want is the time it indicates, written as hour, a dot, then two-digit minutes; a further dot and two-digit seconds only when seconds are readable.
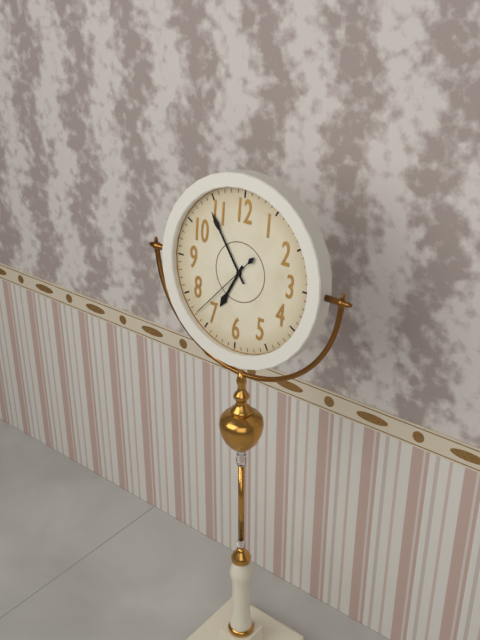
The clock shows 6.54.37
